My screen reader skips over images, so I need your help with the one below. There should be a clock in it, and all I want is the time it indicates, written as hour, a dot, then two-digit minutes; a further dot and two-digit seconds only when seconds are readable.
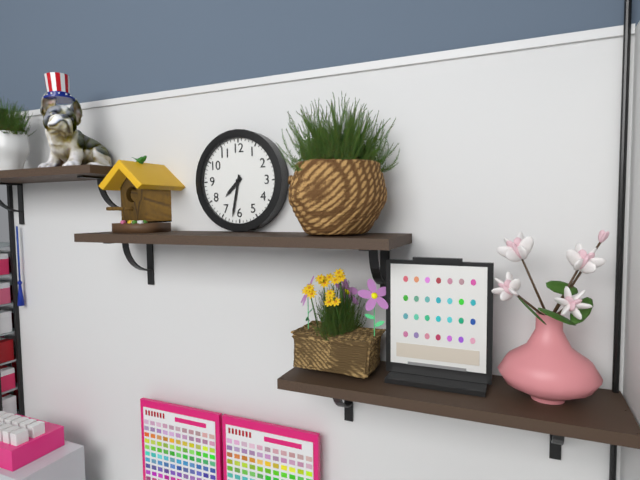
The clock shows 7.32
